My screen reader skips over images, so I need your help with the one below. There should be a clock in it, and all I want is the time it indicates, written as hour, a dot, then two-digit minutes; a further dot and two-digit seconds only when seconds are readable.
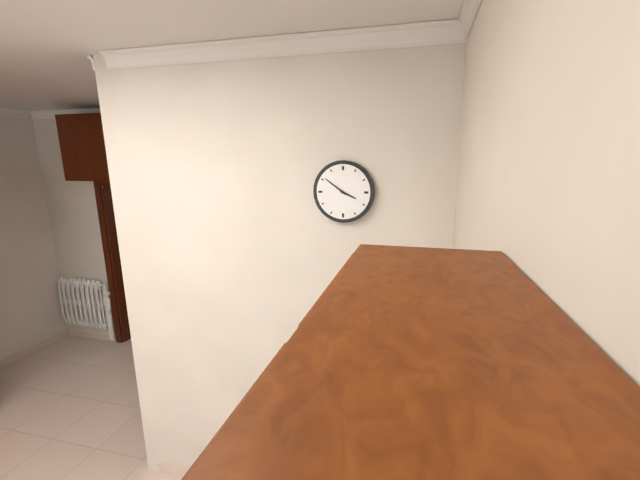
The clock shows 3.51
